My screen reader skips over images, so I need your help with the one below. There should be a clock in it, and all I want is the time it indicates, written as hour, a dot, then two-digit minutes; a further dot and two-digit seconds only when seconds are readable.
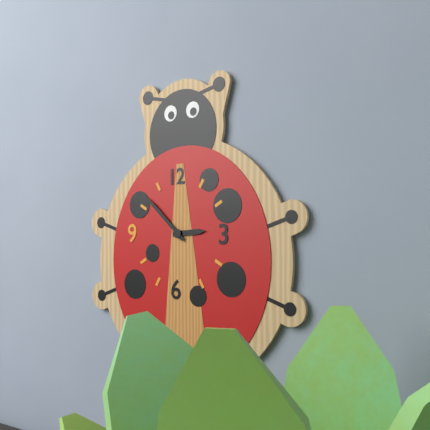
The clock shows 2.52
